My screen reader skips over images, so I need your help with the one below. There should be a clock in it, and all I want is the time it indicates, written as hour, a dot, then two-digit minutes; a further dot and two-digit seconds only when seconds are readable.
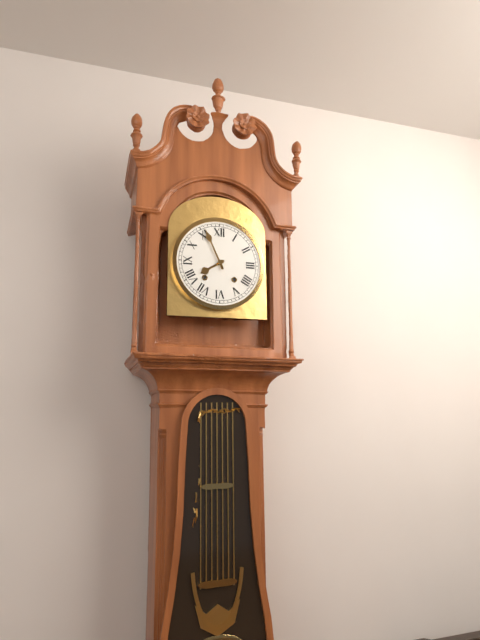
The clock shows 7.56
